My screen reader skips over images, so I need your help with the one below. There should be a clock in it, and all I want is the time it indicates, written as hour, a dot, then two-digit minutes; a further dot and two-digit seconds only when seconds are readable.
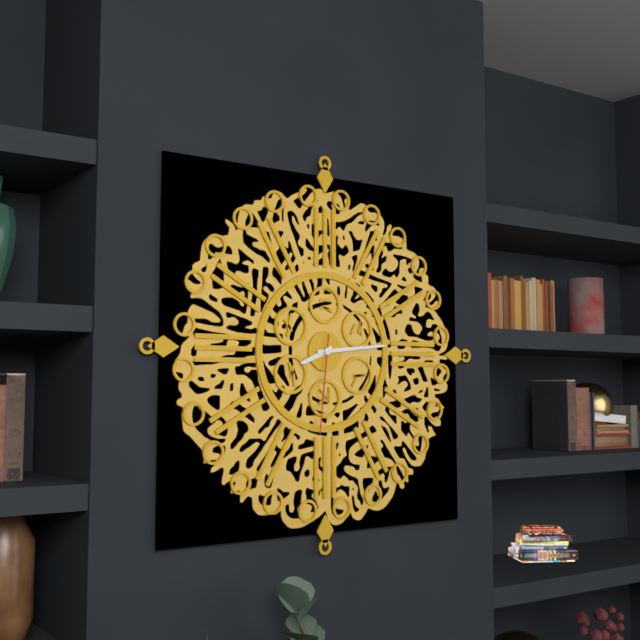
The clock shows 8.14.31
